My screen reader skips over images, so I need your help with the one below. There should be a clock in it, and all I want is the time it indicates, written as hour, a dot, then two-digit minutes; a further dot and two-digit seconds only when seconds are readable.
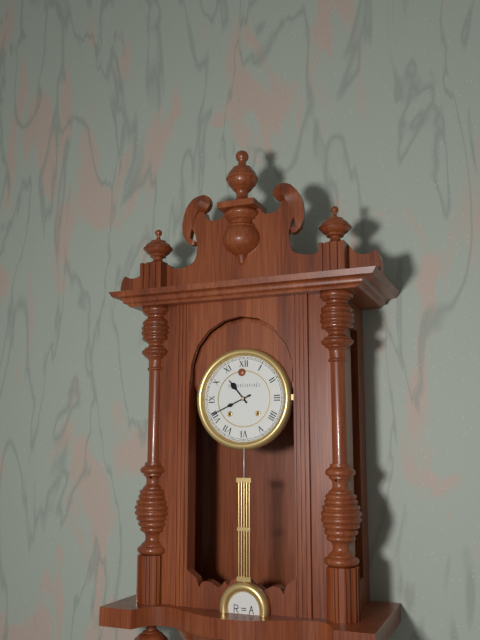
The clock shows 10.41
